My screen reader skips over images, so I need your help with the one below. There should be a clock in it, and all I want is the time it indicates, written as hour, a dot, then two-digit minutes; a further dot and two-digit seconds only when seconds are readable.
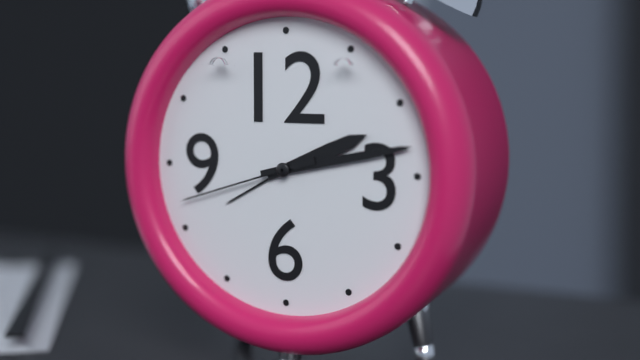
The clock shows 2.13.42
